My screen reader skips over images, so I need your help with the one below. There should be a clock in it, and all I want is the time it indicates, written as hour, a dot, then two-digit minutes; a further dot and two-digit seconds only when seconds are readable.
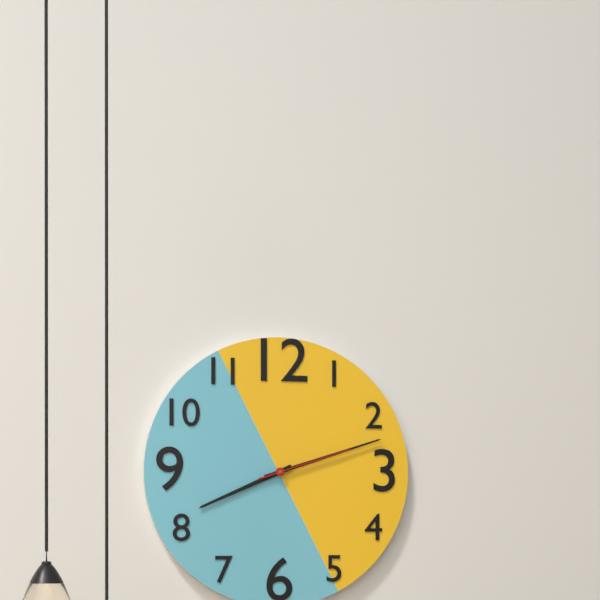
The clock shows 8.12.12
